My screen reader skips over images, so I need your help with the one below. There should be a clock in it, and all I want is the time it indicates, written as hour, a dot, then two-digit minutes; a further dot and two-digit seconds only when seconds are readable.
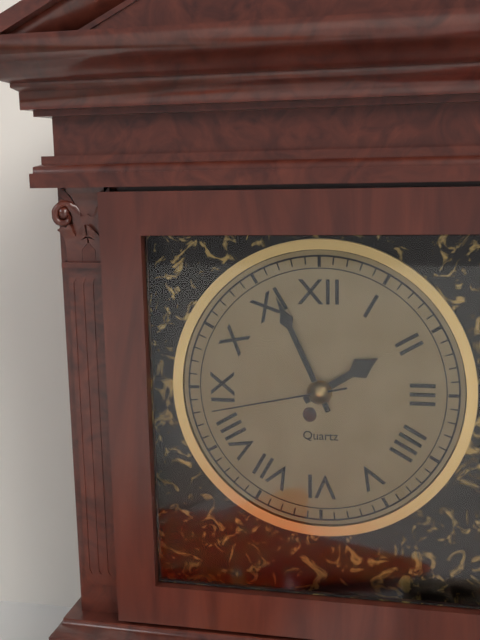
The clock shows 1.56.43
